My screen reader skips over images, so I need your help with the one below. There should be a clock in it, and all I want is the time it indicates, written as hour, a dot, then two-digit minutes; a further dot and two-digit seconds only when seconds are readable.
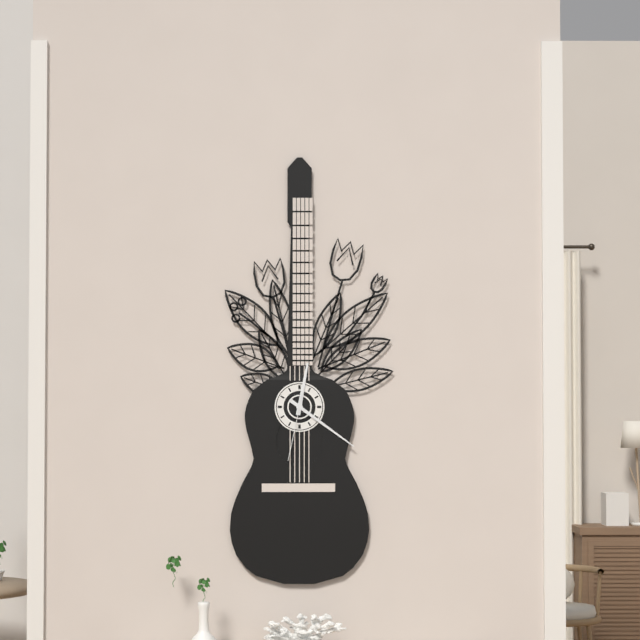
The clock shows 12.21.32
